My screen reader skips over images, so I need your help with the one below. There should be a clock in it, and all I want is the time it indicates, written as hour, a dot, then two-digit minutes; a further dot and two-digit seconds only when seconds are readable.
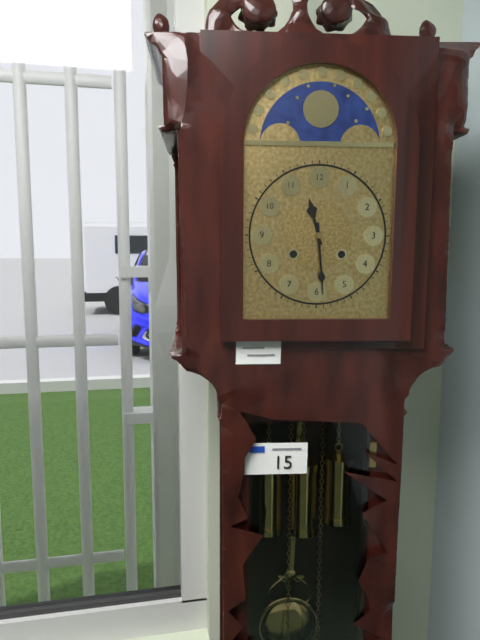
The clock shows 11.29
